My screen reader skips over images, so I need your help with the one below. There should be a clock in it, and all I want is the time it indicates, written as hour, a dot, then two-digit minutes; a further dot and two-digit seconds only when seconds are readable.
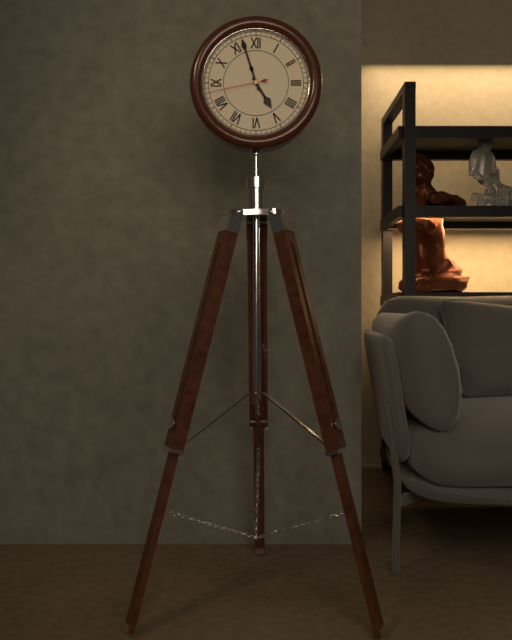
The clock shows 4.57.43
